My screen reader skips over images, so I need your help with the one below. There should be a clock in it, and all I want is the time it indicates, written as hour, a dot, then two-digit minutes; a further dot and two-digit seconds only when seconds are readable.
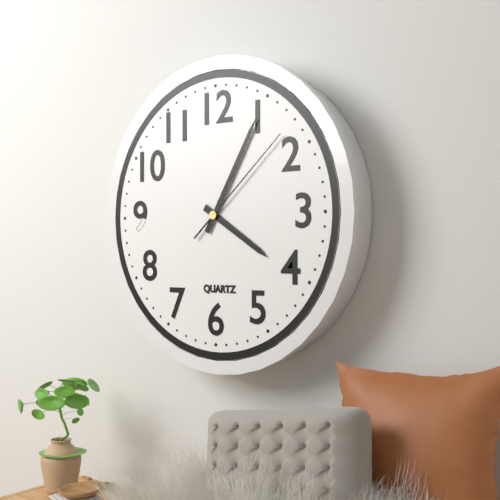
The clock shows 4.05.08
